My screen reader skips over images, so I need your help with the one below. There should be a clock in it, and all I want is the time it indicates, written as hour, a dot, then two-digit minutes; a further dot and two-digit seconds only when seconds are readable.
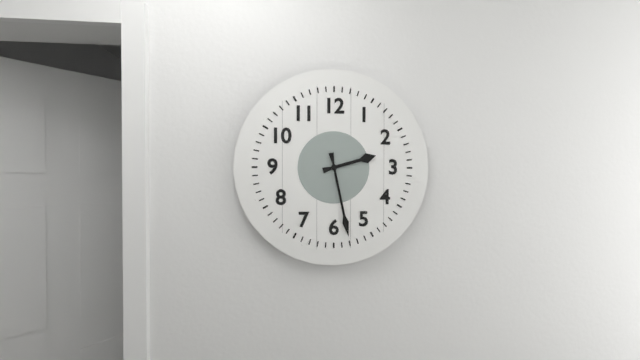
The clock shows 2.28
